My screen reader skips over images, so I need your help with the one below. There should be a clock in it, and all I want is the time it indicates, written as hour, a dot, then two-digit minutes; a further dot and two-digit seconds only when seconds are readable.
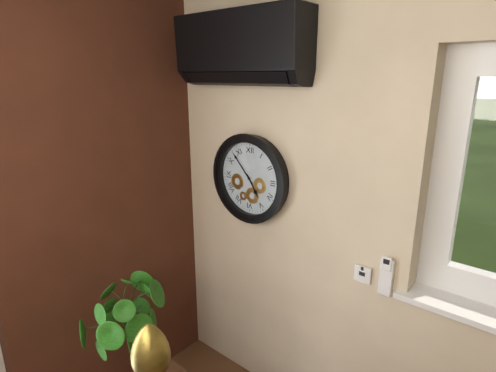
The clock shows 4.53
